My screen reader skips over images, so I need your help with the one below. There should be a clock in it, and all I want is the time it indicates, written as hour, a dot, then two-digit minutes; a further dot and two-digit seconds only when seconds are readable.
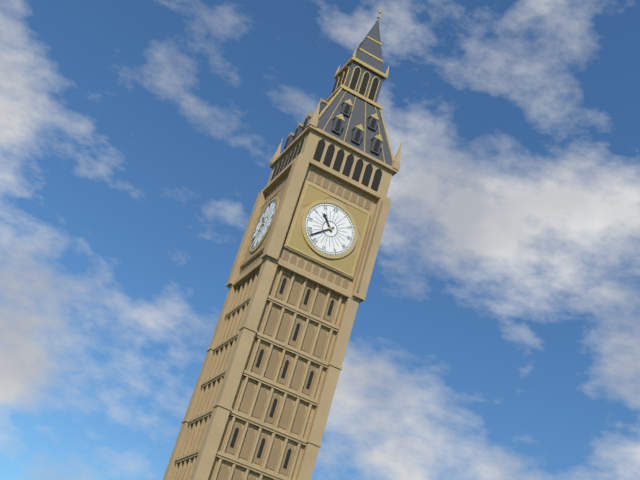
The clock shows 10.38
